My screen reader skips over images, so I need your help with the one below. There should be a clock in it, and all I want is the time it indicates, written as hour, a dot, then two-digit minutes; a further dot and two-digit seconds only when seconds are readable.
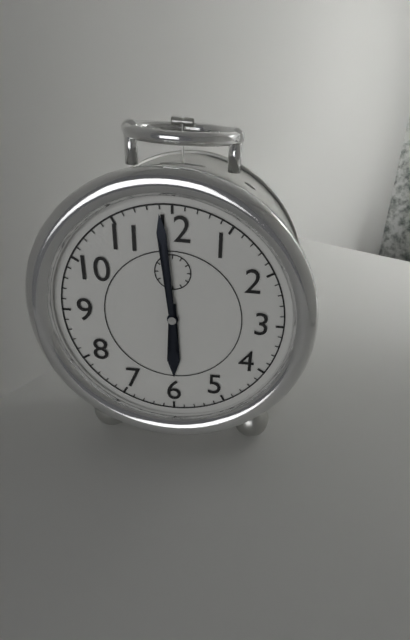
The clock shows 5.59
